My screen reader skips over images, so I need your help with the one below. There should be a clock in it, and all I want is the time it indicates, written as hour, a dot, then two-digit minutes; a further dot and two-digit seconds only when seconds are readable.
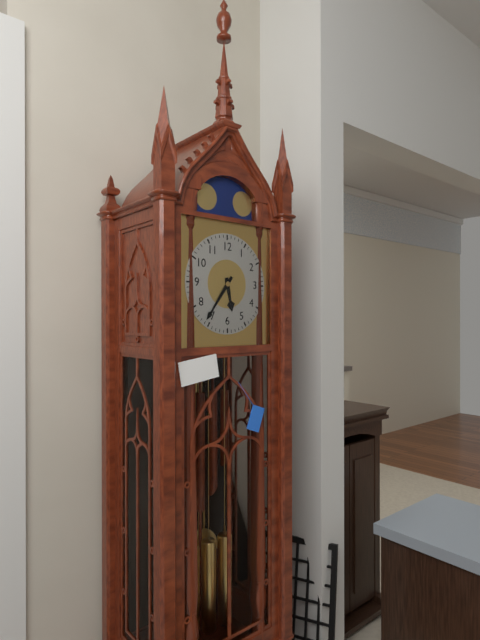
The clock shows 5.36
